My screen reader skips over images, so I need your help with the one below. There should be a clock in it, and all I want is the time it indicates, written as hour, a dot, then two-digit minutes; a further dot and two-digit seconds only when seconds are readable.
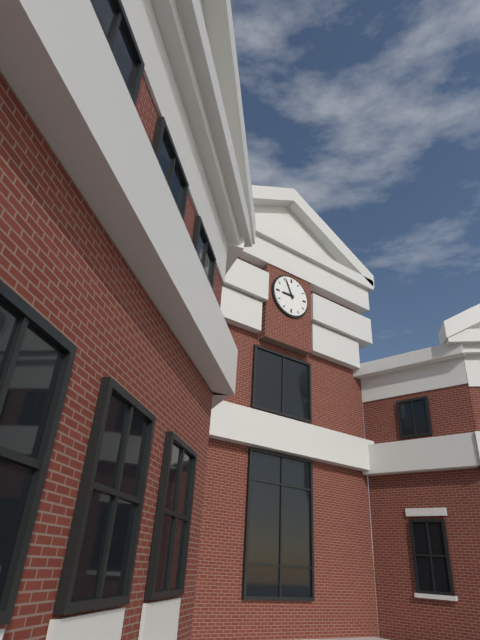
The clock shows 8.56
